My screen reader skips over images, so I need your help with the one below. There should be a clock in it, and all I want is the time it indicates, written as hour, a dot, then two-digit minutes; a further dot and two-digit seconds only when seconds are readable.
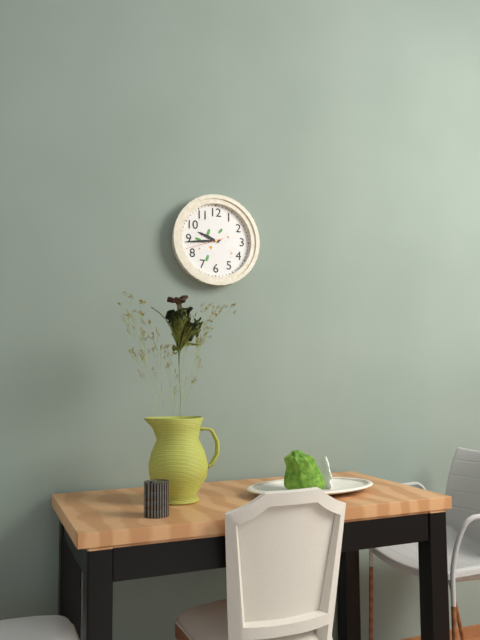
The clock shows 9.44
